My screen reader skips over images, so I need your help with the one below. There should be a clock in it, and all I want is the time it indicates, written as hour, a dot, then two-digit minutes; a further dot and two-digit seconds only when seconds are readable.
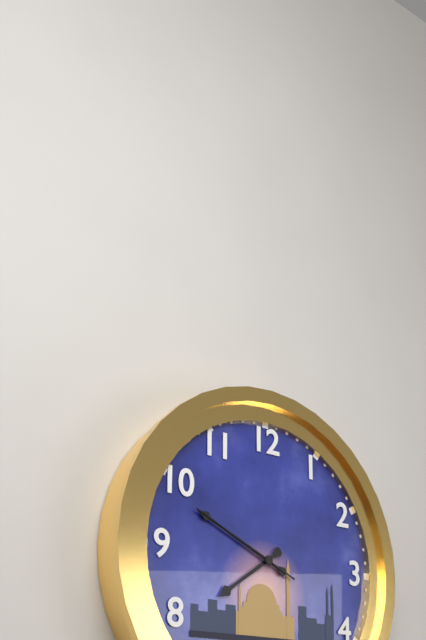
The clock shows 7.49.49
